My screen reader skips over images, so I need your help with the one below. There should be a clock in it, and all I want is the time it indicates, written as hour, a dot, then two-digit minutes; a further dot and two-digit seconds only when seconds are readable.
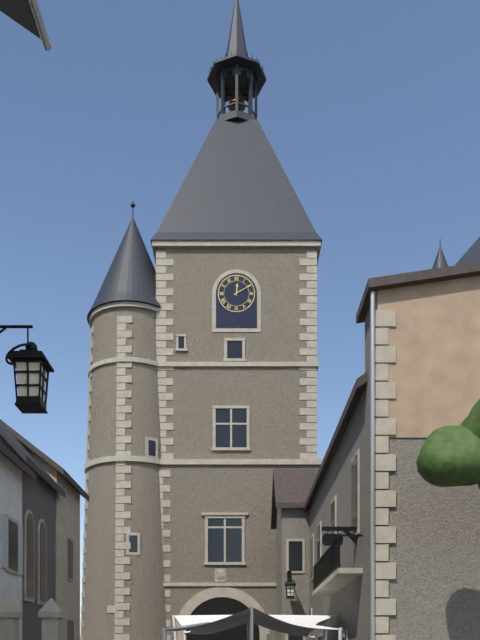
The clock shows 12.10
